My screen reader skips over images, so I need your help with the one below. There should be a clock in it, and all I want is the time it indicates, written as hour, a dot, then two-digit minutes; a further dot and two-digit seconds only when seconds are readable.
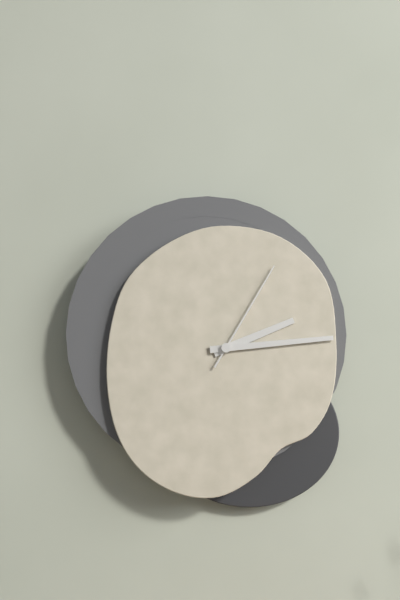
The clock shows 2.14.05
